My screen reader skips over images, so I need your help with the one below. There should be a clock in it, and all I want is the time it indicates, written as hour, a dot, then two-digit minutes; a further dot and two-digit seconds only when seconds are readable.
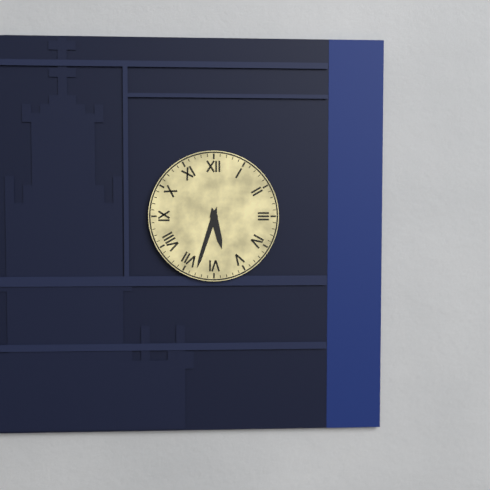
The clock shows 5.33
